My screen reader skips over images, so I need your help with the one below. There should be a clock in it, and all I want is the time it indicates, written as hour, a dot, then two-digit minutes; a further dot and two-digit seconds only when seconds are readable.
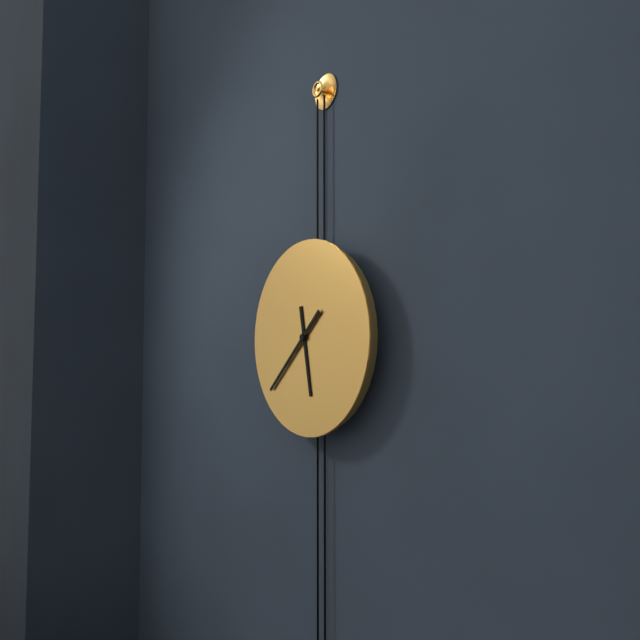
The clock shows 5.38
